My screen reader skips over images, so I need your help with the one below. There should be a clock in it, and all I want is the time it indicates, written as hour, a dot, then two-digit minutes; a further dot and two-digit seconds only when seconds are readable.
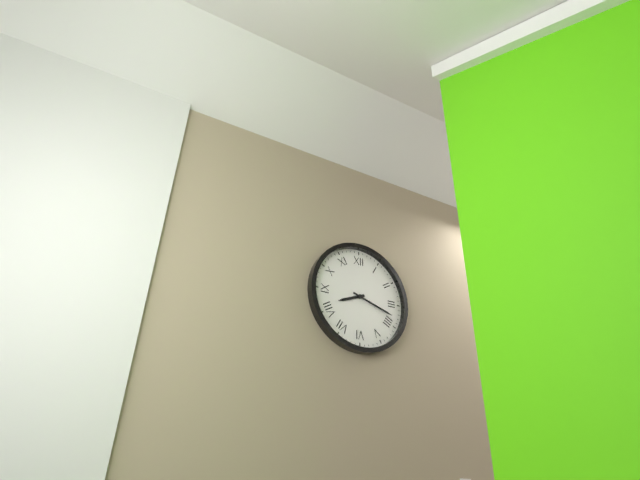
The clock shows 8.18
